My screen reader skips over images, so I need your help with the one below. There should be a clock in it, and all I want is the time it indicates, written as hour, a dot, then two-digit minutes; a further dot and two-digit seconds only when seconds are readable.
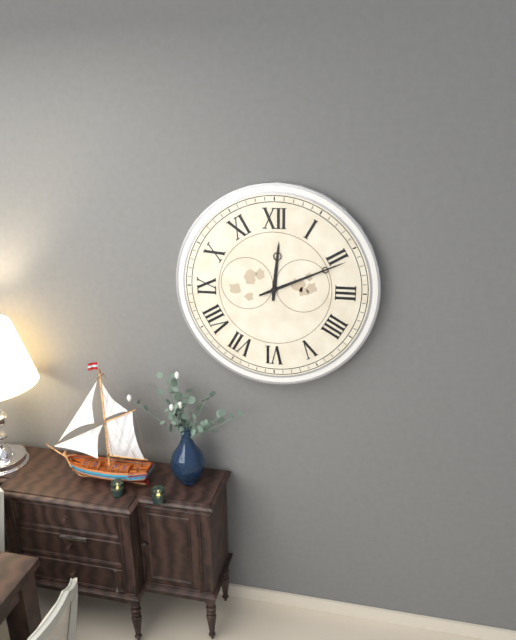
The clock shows 12.11
